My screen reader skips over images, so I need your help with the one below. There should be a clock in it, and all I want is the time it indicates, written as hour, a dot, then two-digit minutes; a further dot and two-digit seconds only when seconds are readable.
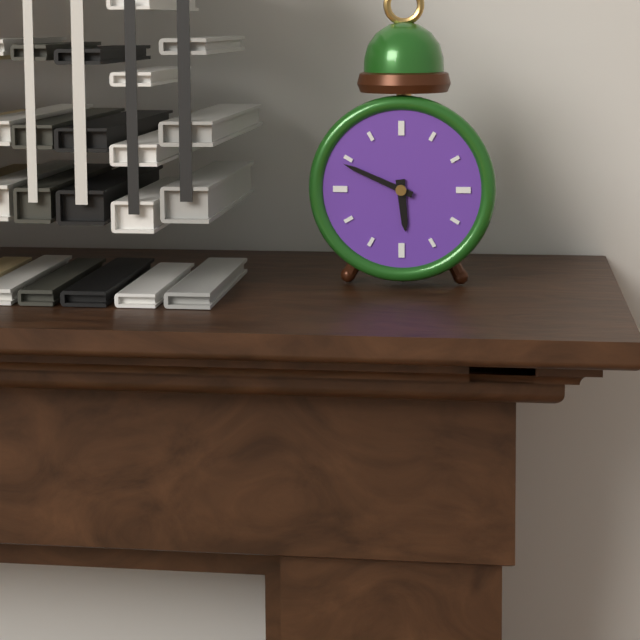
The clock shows 5.49
